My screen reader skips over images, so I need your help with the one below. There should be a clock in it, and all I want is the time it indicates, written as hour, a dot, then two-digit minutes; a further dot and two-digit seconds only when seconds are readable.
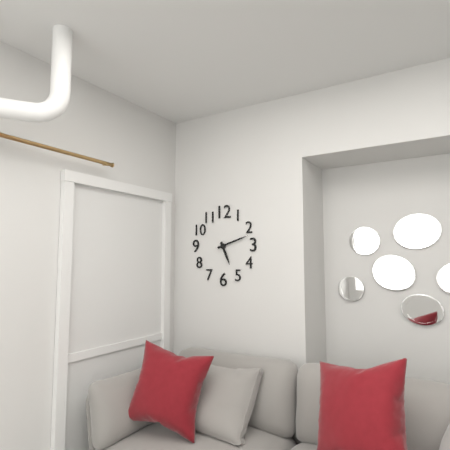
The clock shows 5.12
